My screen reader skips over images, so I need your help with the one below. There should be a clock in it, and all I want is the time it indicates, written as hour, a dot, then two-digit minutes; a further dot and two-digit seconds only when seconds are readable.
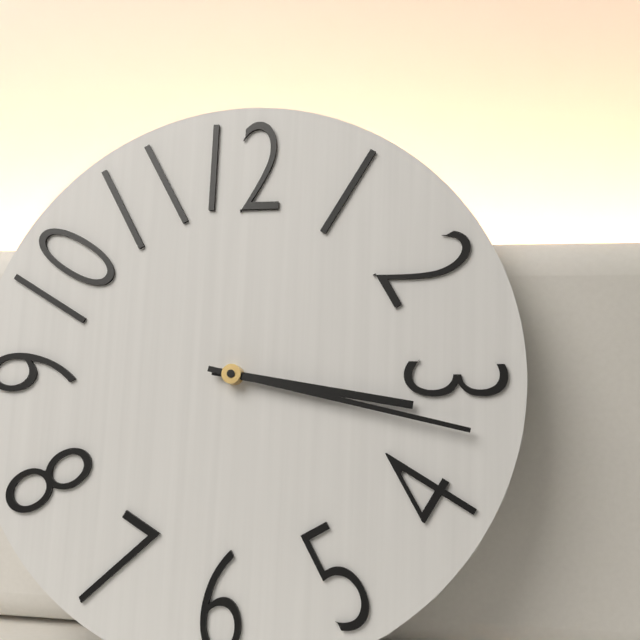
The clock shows 3.17
